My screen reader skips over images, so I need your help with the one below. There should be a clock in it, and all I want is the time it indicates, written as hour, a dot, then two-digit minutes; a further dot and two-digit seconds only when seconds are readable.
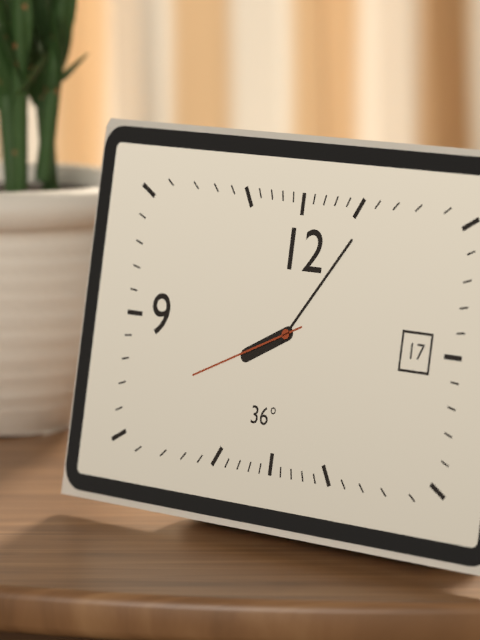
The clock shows 8.06.41
